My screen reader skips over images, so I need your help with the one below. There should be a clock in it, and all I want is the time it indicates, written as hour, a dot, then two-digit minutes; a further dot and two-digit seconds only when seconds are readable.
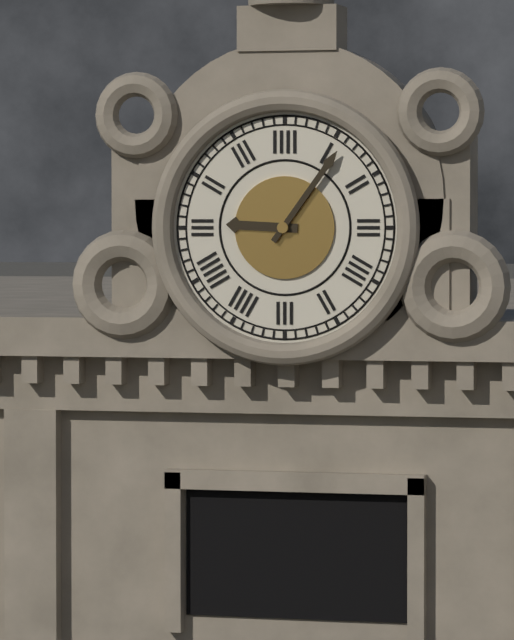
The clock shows 9.06
